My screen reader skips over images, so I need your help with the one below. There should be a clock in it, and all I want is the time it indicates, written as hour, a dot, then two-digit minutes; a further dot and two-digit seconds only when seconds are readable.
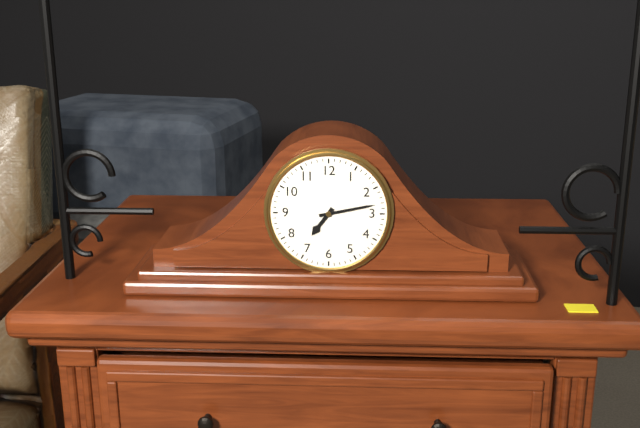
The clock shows 7.13
